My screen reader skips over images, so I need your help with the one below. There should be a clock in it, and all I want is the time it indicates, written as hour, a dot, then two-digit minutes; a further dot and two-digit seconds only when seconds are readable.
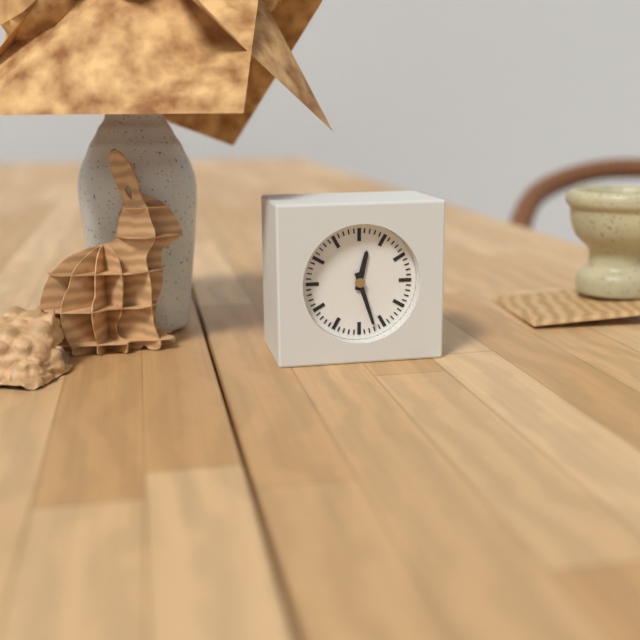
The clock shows 12.27
